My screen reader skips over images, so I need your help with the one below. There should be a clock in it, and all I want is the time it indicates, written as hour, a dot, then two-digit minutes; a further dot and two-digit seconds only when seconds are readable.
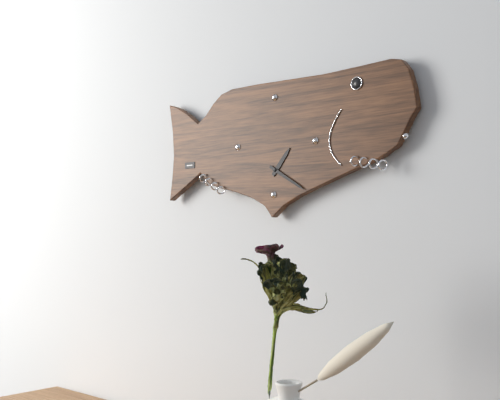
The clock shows 1.20
